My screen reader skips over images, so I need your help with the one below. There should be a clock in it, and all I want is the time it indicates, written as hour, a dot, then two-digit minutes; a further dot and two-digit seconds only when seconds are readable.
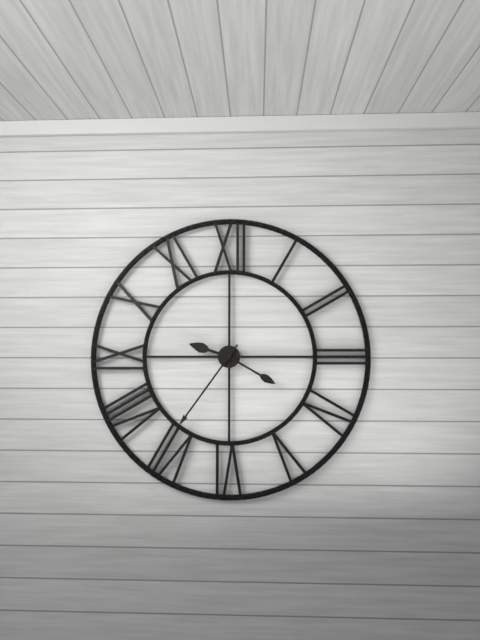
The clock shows 9.36.20
